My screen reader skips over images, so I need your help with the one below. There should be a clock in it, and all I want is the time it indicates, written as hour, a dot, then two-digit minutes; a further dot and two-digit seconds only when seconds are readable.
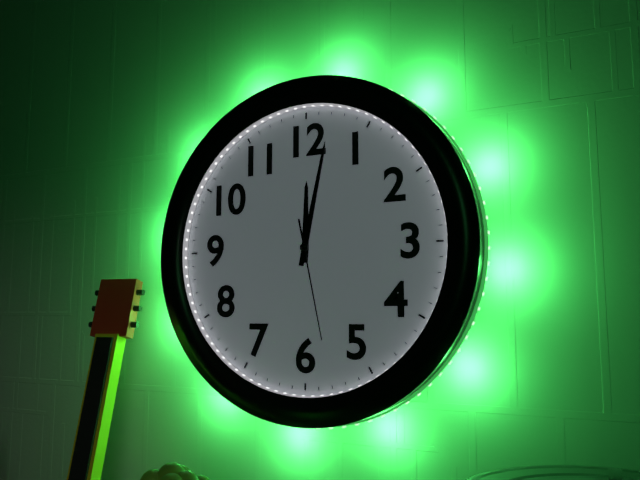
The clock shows 12.02.28
